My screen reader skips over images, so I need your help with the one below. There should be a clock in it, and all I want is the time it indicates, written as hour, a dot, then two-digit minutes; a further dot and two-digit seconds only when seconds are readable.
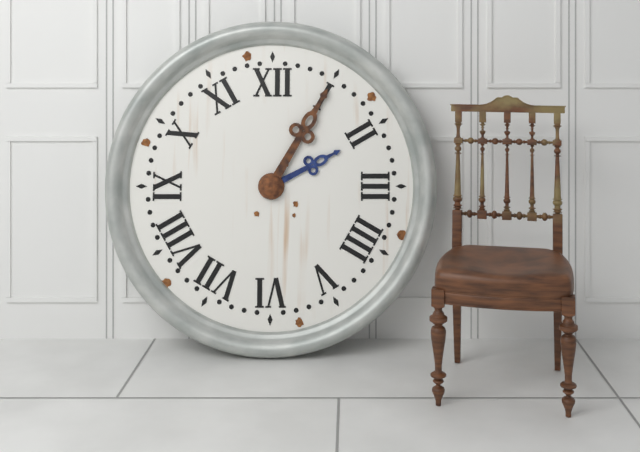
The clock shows 2.05
